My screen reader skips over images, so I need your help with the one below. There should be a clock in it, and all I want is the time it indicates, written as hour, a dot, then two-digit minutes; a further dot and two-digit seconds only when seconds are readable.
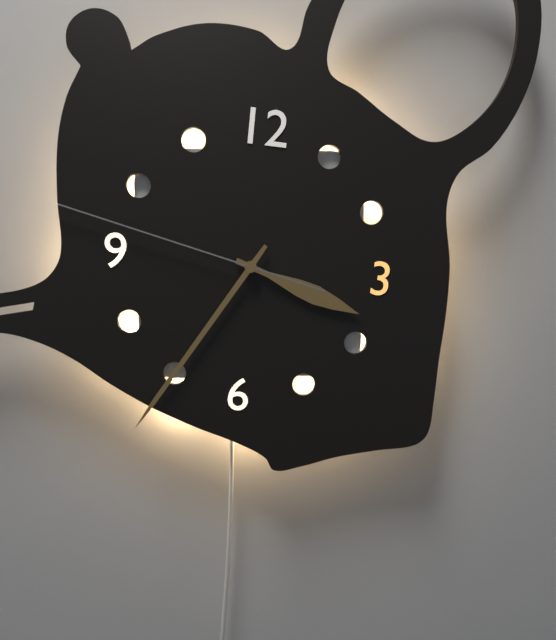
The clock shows 3.35.47
